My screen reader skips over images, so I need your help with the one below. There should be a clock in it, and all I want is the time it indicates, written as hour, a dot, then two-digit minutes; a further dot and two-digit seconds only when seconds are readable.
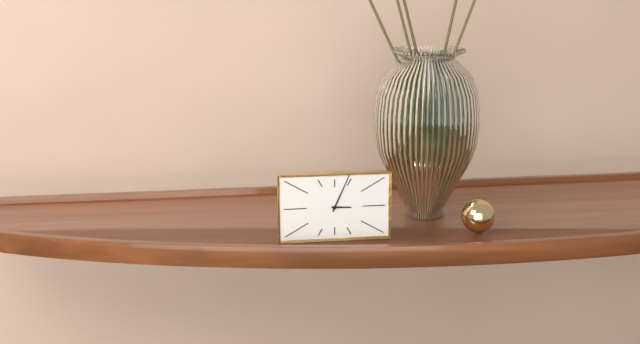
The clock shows 3.04
